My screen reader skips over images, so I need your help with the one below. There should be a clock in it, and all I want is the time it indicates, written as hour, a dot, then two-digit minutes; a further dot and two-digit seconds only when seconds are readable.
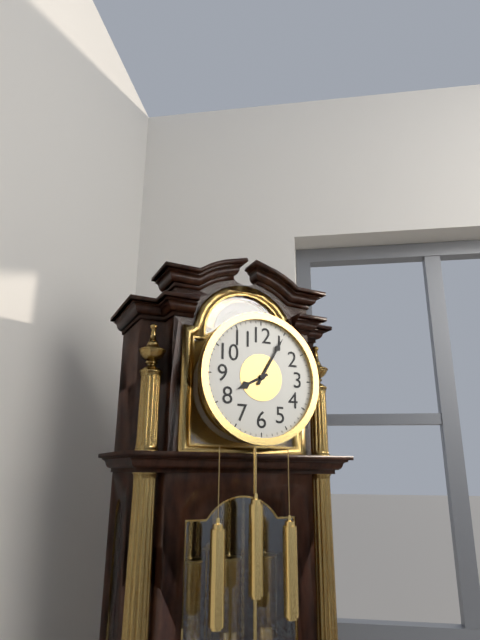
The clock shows 8.05
